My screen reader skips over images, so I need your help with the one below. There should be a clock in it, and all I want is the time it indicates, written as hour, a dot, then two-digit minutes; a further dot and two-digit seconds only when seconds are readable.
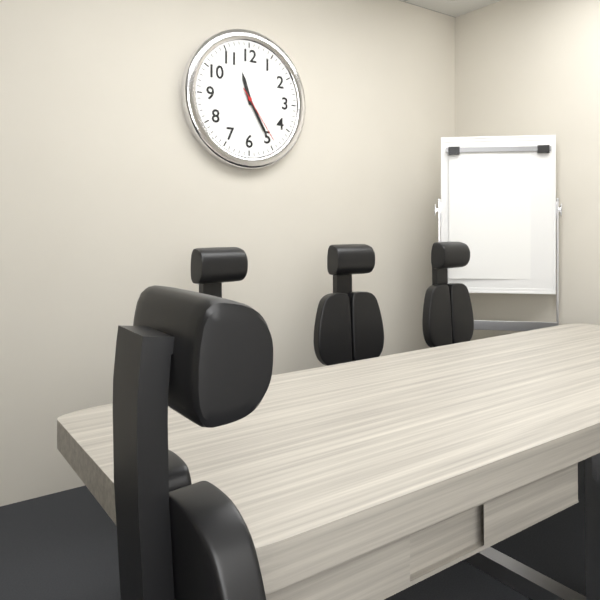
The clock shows 11.25.24
